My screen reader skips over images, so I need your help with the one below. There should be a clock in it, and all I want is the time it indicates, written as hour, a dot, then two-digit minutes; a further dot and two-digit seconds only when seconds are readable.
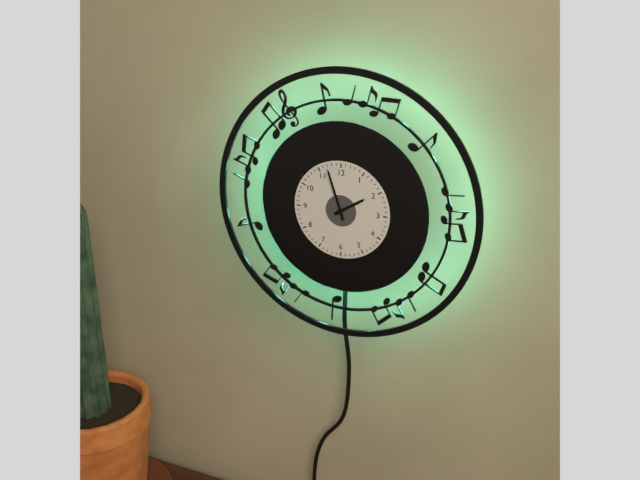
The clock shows 1.57
